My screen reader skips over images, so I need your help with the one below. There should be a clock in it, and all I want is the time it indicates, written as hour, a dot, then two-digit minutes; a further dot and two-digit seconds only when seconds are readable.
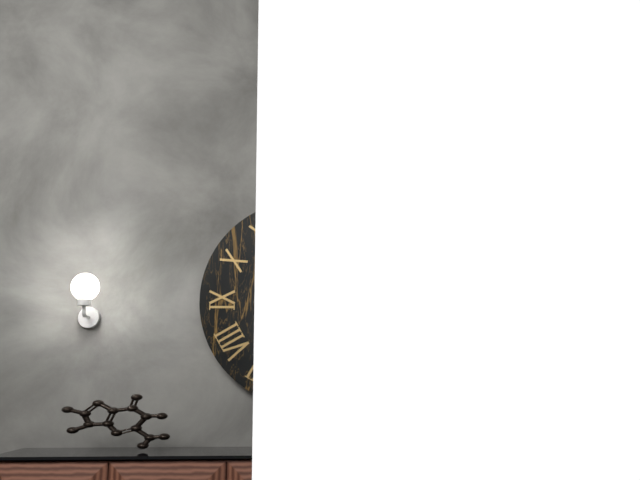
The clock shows 8.19
